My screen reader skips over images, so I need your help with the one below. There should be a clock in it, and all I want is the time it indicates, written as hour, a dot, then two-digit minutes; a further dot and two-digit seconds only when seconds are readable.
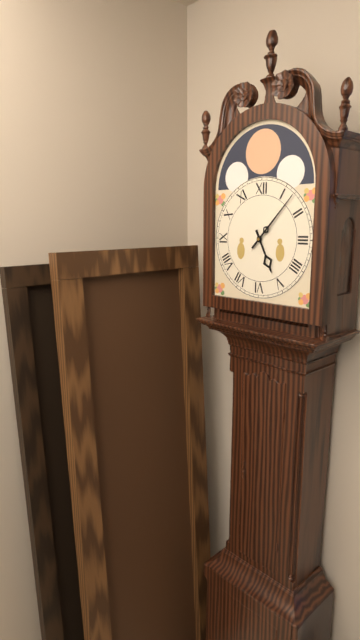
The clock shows 5.07
